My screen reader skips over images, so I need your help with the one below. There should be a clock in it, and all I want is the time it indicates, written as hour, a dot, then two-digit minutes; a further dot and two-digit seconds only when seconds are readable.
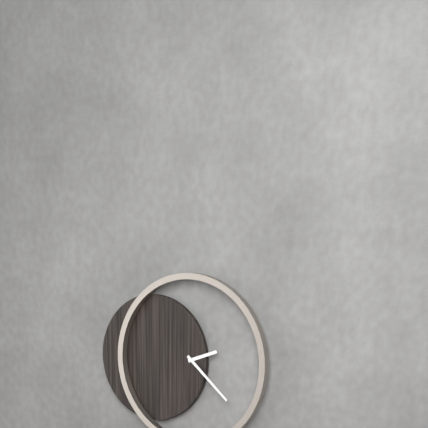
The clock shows 2.22
